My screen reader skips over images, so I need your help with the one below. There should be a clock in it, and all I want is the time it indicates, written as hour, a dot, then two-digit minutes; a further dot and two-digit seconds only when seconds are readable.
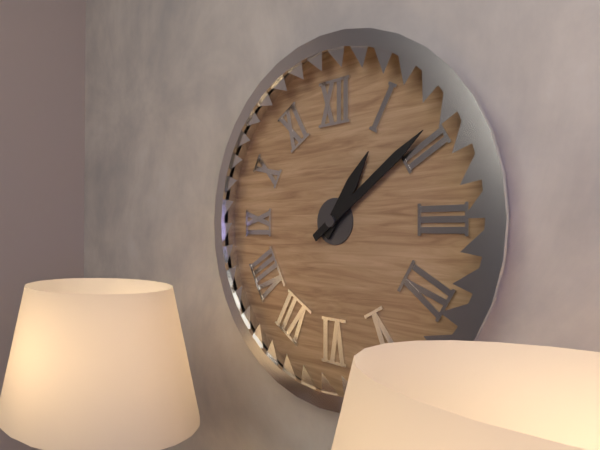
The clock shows 1.09
